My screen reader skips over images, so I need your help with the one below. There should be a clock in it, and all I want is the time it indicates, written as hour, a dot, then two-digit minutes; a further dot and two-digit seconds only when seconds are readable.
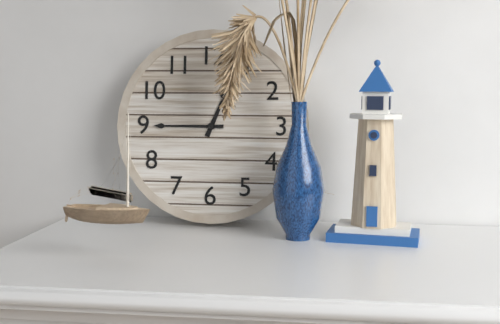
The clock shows 12.45
